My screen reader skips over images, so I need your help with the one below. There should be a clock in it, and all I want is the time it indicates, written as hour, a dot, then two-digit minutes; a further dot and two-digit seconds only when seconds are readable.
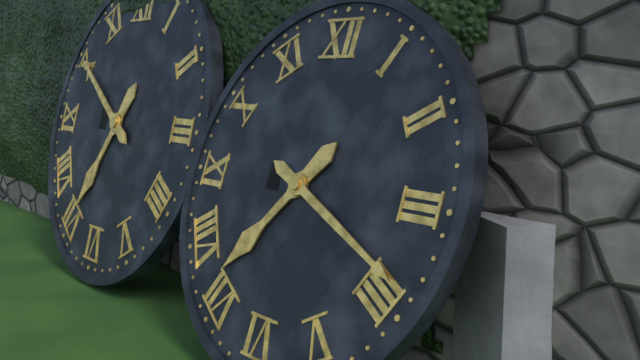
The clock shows 7.19
